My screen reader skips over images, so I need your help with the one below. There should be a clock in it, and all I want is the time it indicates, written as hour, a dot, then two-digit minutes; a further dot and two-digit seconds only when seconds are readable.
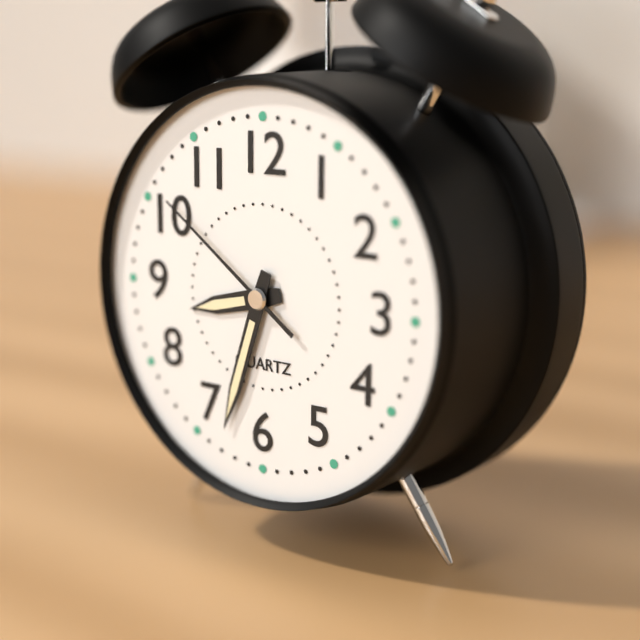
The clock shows 8.33.51
